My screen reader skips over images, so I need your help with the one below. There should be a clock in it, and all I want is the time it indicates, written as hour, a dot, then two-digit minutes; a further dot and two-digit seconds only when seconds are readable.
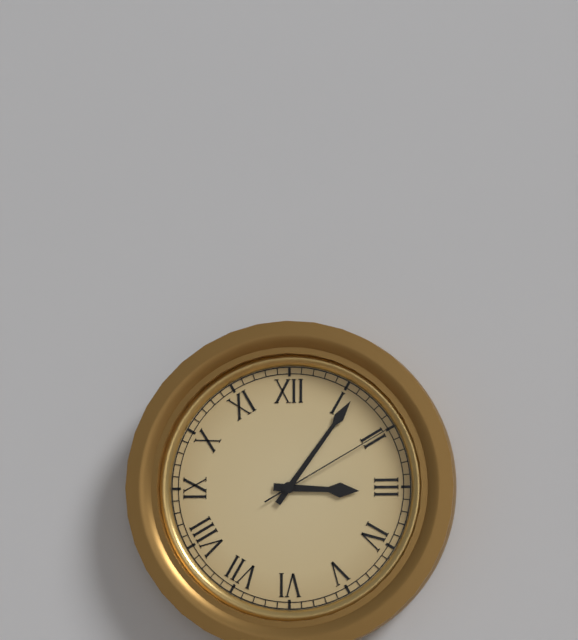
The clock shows 3.06.10
